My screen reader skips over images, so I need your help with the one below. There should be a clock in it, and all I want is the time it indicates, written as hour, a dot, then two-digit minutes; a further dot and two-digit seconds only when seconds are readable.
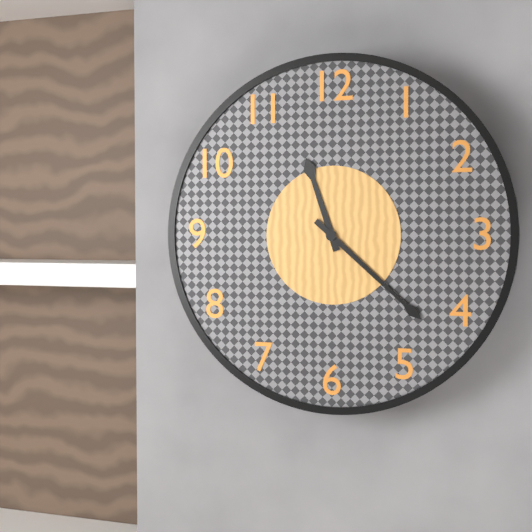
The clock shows 11.22
